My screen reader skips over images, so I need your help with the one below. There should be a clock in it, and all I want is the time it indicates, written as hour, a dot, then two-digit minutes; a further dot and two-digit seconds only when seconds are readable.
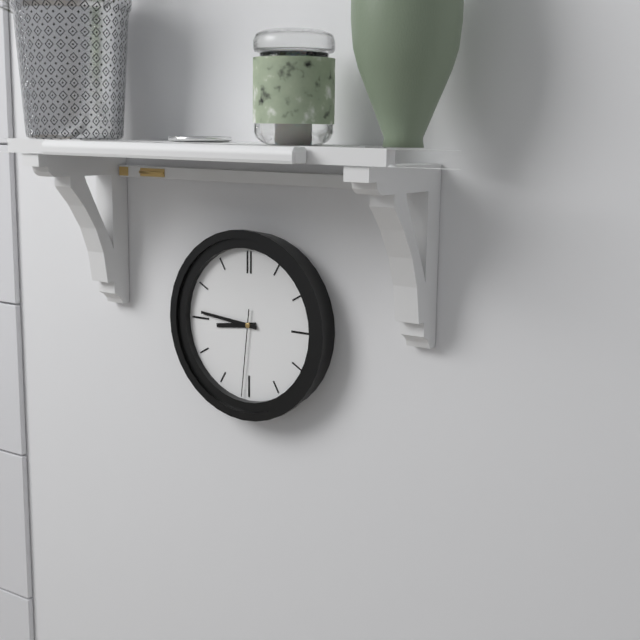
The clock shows 8.46.31
